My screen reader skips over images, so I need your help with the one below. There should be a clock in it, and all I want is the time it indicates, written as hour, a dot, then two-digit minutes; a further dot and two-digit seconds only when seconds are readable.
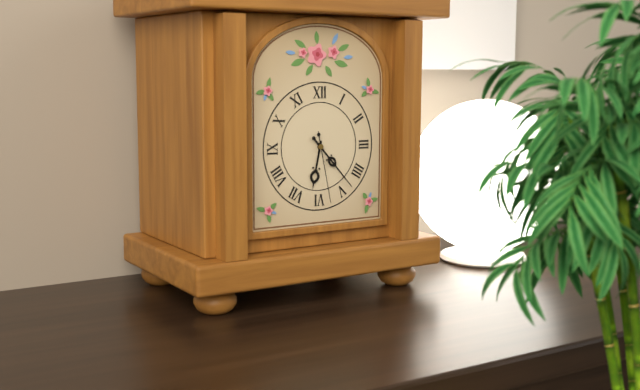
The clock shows 6.23.28
